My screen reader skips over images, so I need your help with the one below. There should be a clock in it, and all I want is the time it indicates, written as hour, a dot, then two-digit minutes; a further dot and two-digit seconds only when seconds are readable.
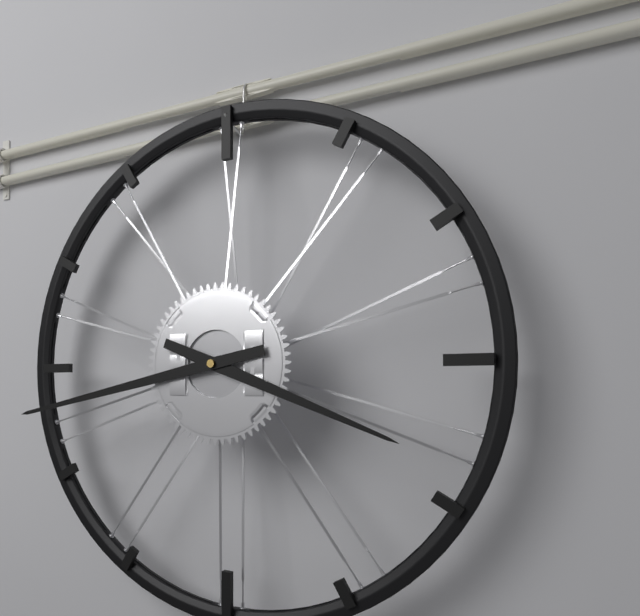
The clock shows 3.43
